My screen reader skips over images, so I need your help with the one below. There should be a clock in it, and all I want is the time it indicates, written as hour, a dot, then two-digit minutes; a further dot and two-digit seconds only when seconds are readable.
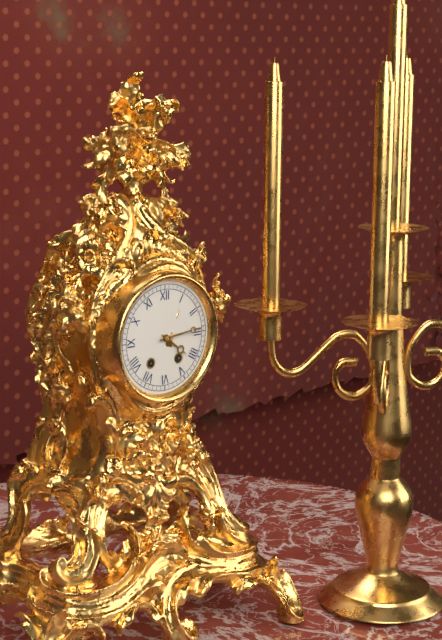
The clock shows 4.14
